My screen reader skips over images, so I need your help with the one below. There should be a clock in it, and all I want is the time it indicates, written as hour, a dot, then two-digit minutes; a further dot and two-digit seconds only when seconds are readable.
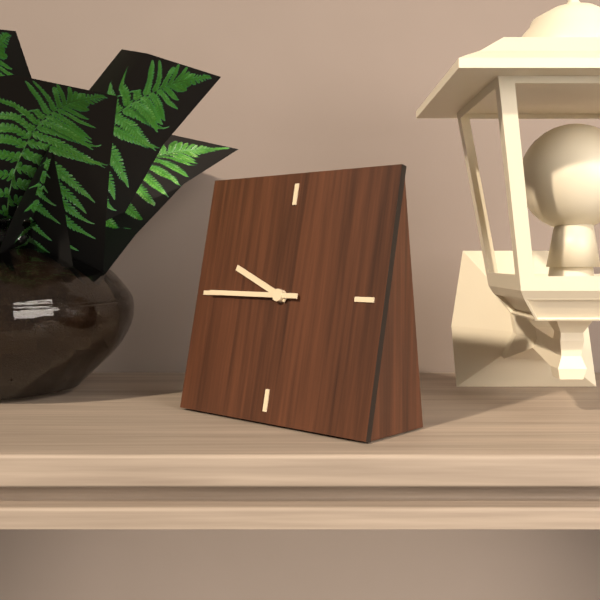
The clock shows 9.45
